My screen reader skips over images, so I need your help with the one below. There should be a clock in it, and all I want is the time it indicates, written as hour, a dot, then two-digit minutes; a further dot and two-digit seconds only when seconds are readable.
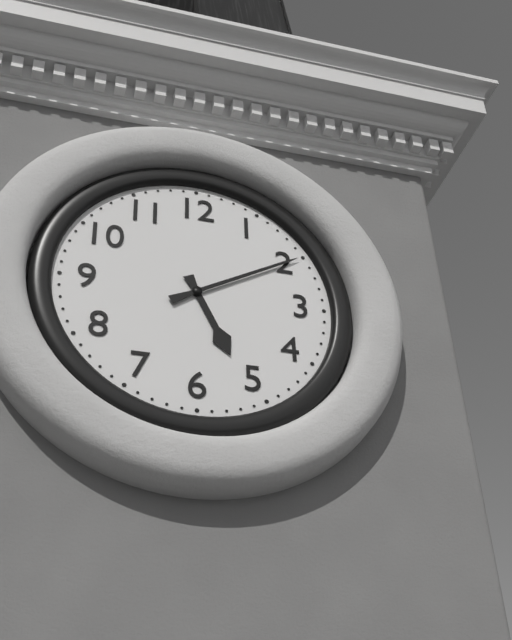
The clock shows 5.10
